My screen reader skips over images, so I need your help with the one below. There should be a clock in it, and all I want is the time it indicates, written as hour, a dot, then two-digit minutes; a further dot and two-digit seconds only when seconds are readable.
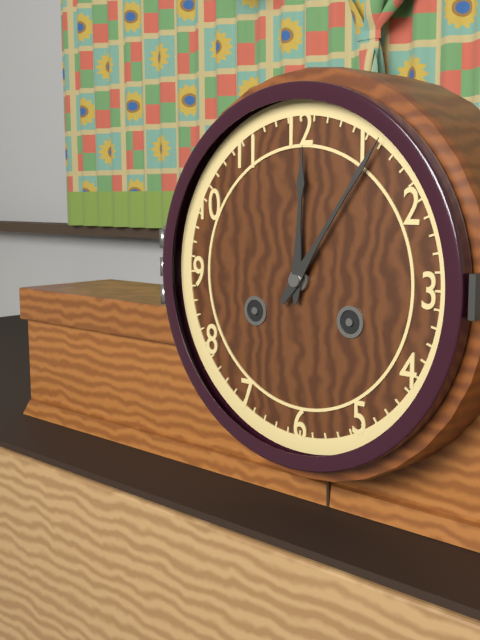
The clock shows 12.06
